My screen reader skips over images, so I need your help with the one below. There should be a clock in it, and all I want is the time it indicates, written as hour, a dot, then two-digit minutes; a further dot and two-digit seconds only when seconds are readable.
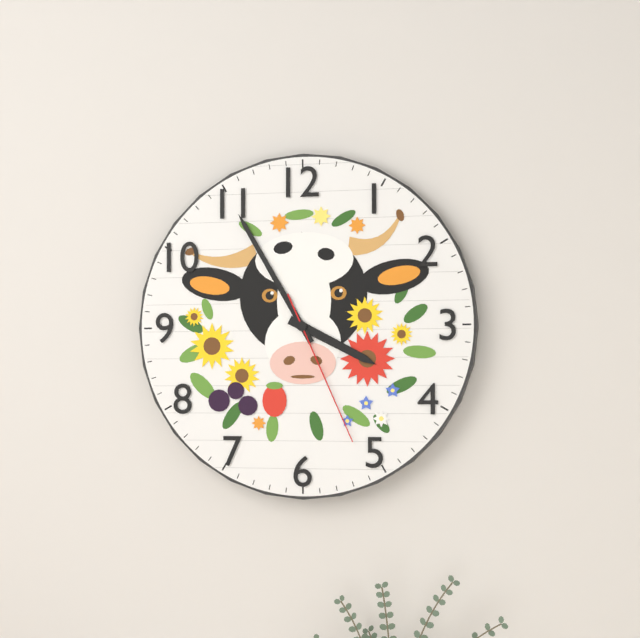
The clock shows 3.55.26
